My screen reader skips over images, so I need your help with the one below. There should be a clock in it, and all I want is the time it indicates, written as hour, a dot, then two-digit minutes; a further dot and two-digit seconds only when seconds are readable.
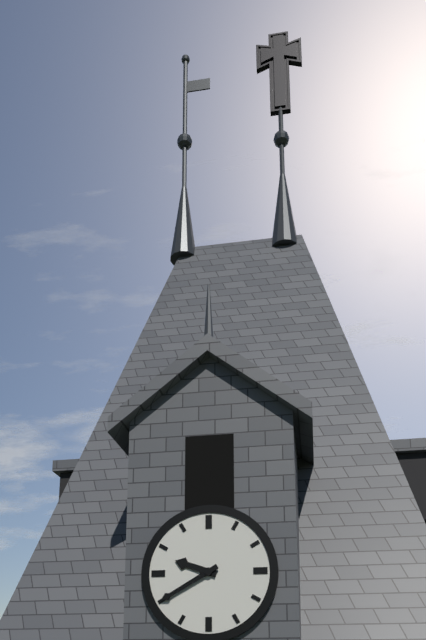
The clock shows 9.40
